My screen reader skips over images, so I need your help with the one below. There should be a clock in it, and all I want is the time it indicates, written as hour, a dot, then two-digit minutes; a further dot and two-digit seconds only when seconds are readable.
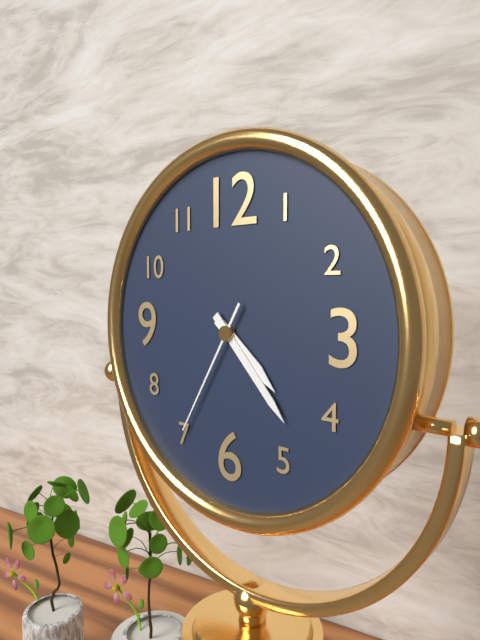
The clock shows 4.23.35
